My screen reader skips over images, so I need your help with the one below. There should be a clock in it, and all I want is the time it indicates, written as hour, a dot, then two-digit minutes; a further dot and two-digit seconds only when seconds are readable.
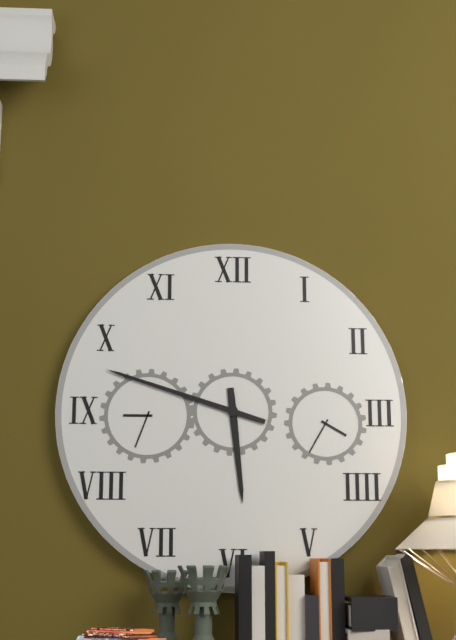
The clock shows 5.48
